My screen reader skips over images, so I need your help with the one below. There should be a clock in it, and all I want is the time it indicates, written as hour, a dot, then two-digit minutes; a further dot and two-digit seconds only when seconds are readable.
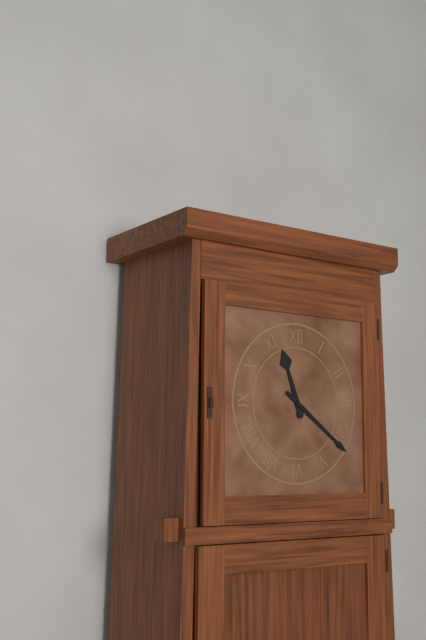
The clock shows 11.21
